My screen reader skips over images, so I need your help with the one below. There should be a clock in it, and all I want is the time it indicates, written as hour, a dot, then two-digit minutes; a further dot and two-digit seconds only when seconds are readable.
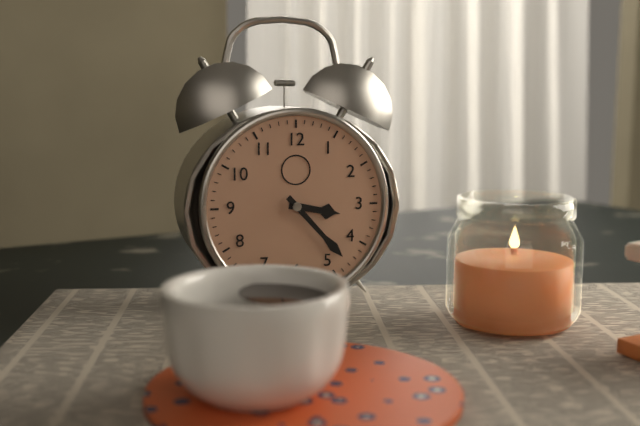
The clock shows 3.23
